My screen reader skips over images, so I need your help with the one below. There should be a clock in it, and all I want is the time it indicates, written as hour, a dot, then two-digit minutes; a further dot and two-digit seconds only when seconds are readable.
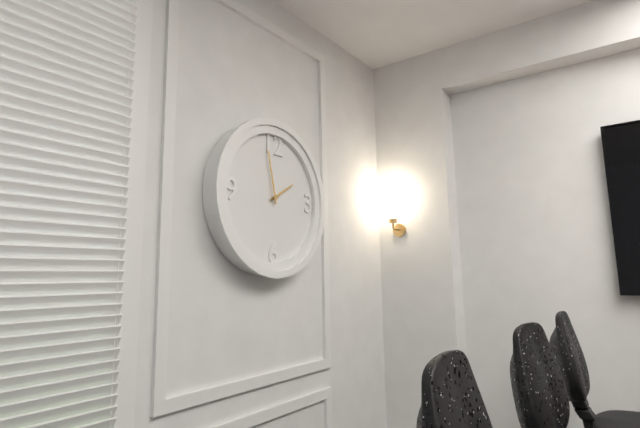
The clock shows 1.58
